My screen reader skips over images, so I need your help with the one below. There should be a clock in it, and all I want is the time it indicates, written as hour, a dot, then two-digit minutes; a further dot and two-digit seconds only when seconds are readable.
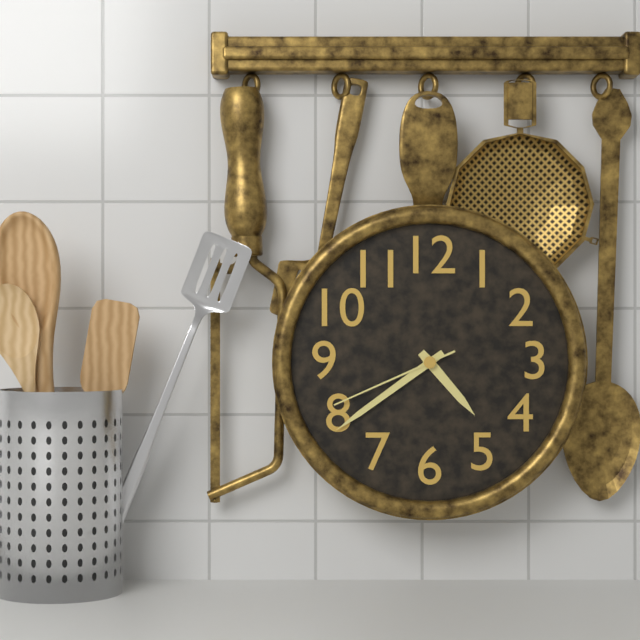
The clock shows 4.39.41
